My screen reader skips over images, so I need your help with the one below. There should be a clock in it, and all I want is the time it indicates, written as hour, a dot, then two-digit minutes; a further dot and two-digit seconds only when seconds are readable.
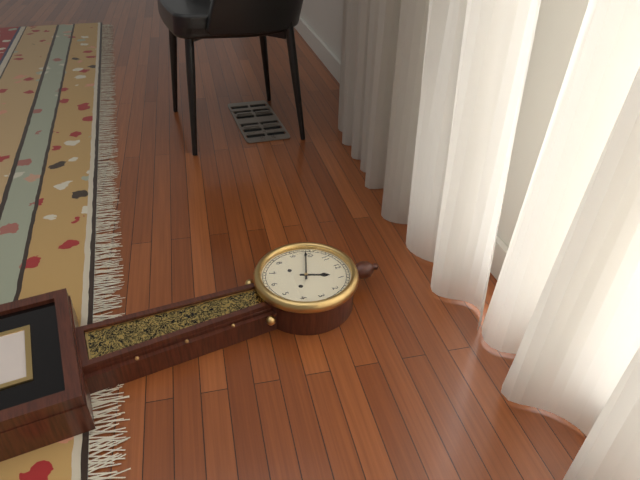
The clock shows 12.49
